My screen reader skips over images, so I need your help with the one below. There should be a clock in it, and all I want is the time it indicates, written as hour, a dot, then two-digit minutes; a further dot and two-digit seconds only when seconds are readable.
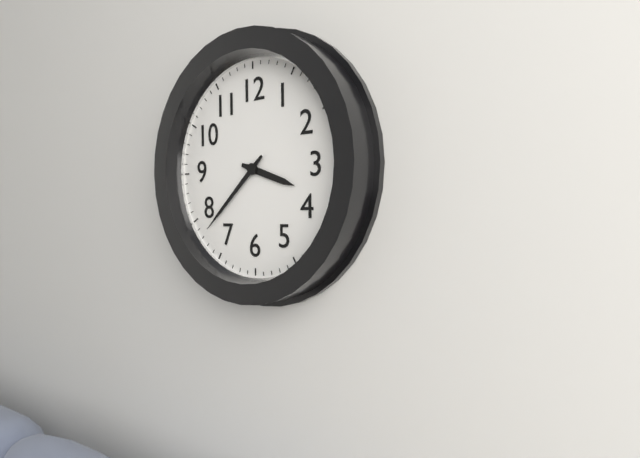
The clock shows 3.38
